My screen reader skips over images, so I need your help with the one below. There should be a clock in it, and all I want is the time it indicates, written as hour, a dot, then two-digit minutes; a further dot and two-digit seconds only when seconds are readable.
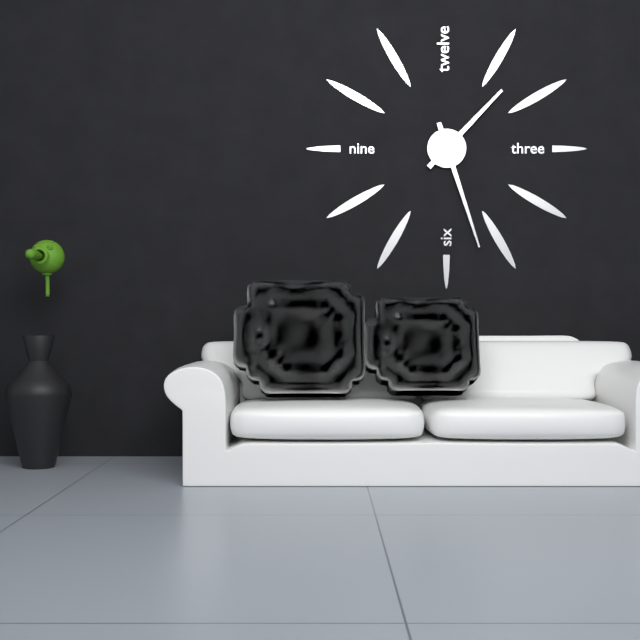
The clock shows 1.27
